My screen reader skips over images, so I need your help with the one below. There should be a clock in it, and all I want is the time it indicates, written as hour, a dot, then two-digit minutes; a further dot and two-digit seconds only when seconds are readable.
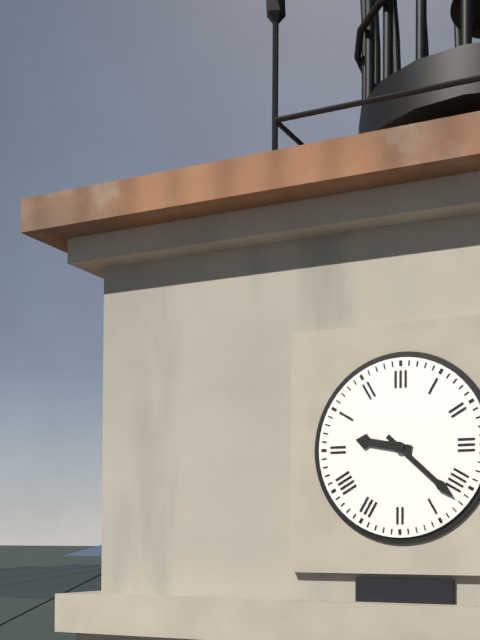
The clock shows 9.22
